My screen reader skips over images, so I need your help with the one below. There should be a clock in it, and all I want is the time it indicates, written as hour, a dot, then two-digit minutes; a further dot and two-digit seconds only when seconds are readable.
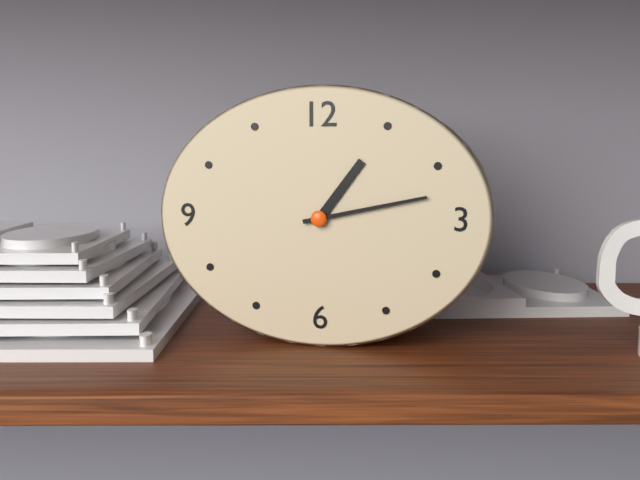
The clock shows 1.13
